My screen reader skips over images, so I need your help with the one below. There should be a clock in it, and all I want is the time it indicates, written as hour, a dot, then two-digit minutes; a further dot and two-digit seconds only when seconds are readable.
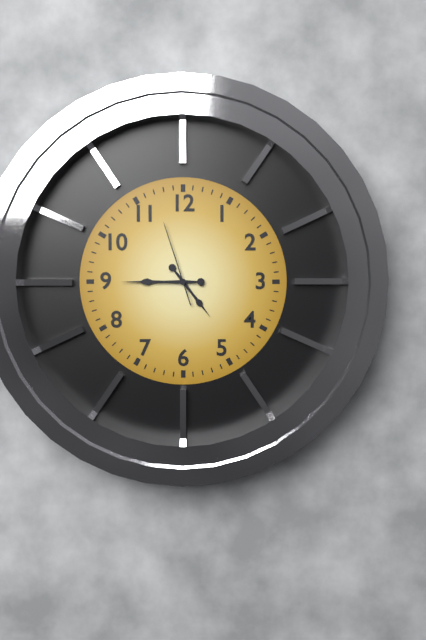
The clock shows 4.45.57
